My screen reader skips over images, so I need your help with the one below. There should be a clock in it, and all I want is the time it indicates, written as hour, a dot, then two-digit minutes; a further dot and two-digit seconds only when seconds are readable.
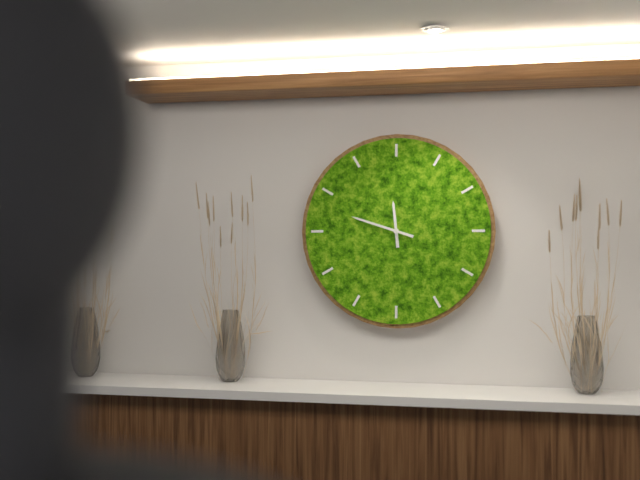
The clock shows 11.48
